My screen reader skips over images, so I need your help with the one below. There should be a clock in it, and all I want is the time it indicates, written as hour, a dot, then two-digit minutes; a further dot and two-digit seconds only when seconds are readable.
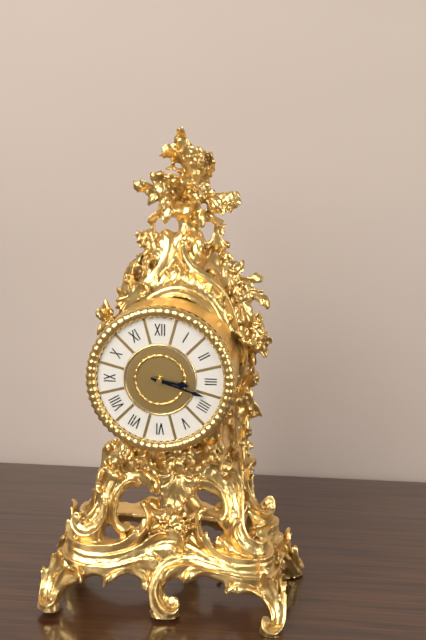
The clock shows 3.18
